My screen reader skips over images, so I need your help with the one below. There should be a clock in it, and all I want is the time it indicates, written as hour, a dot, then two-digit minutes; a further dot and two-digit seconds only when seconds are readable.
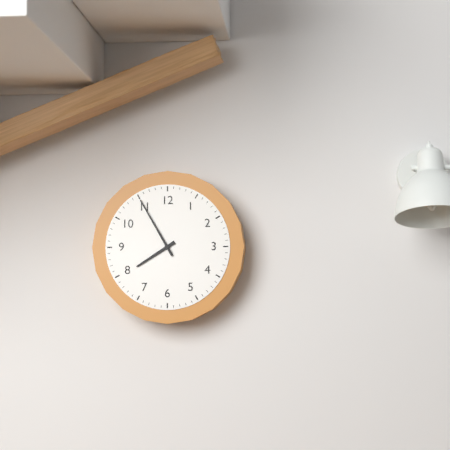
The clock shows 7.55
